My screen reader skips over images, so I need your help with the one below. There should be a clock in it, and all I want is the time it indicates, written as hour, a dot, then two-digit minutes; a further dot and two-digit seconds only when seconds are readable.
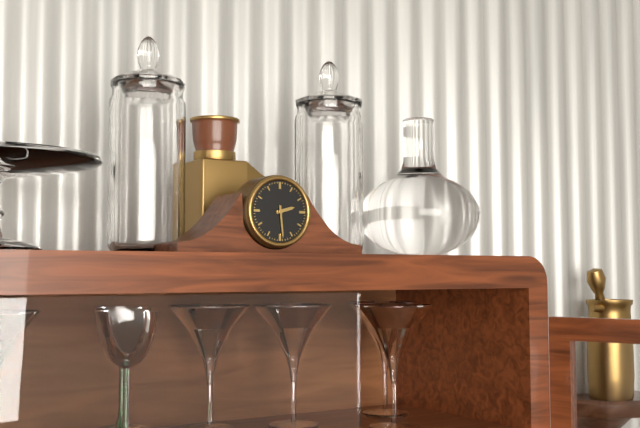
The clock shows 2.29
